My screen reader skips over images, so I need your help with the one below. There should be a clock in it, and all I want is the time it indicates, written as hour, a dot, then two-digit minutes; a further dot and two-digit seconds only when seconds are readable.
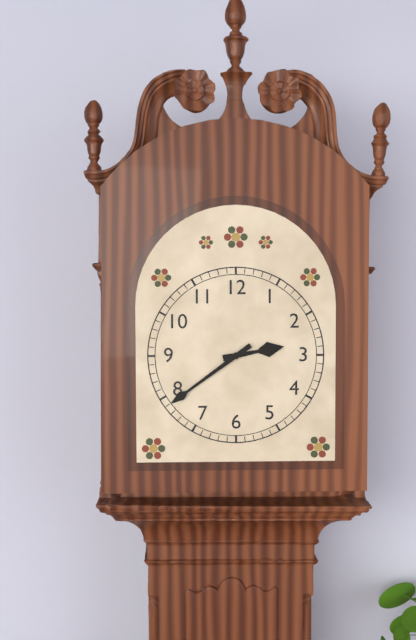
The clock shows 2.39
